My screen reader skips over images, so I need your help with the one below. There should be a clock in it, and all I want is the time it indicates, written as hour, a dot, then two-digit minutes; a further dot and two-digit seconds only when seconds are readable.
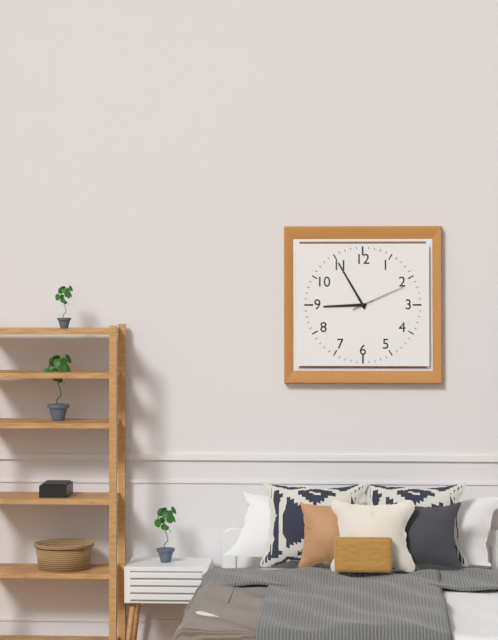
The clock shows 8.55.11
